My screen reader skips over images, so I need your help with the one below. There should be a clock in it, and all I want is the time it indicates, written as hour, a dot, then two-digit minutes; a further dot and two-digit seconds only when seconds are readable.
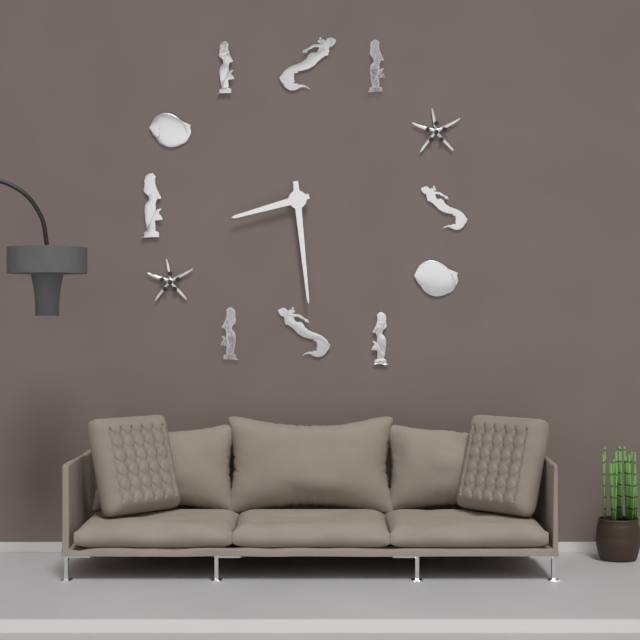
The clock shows 8.29
